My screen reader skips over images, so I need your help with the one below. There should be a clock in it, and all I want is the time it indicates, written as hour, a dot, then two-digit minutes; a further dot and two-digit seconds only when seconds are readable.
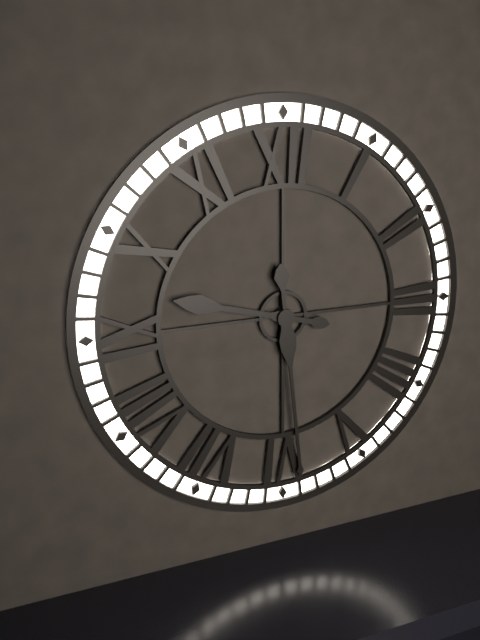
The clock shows 9.29
